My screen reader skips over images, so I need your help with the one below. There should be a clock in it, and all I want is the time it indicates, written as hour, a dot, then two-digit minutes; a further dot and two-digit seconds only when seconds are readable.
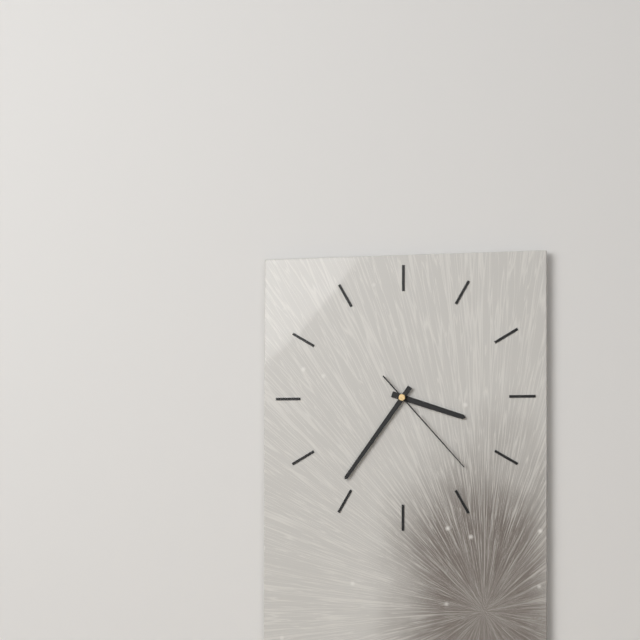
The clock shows 3.36.23
